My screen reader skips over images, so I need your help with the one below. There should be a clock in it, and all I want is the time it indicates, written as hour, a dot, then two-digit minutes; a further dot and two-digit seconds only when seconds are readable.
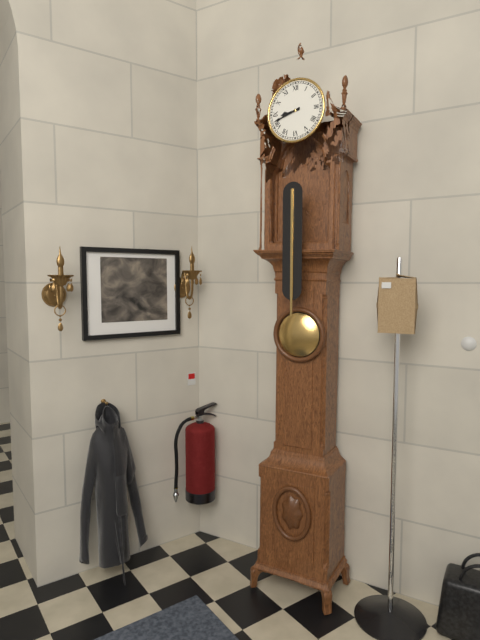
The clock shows 8.42
